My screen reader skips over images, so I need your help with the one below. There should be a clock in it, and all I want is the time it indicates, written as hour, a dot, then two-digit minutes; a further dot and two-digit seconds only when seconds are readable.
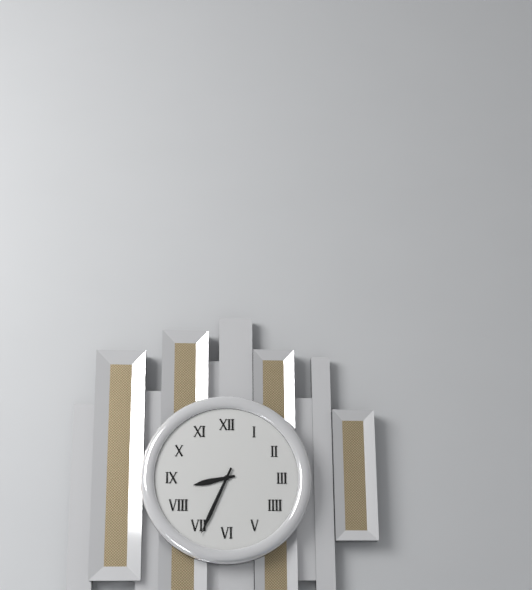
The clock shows 8.34
